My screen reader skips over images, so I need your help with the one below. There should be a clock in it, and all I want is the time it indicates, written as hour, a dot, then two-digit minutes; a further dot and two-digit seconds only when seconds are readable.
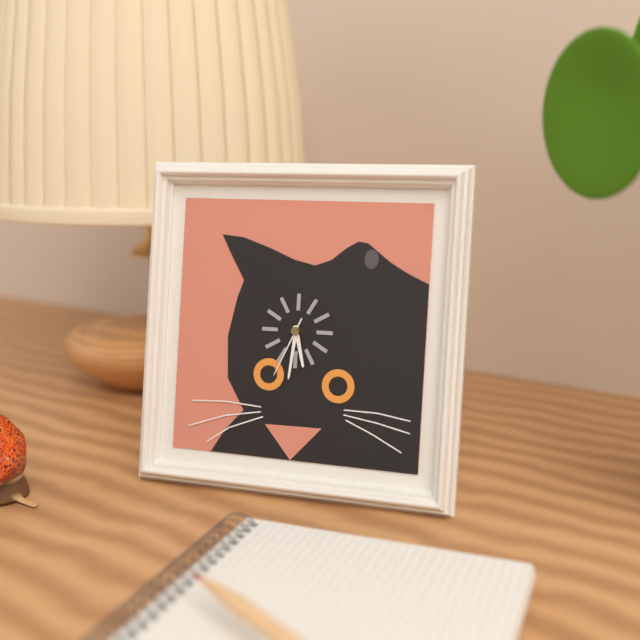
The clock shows 5.31.34
